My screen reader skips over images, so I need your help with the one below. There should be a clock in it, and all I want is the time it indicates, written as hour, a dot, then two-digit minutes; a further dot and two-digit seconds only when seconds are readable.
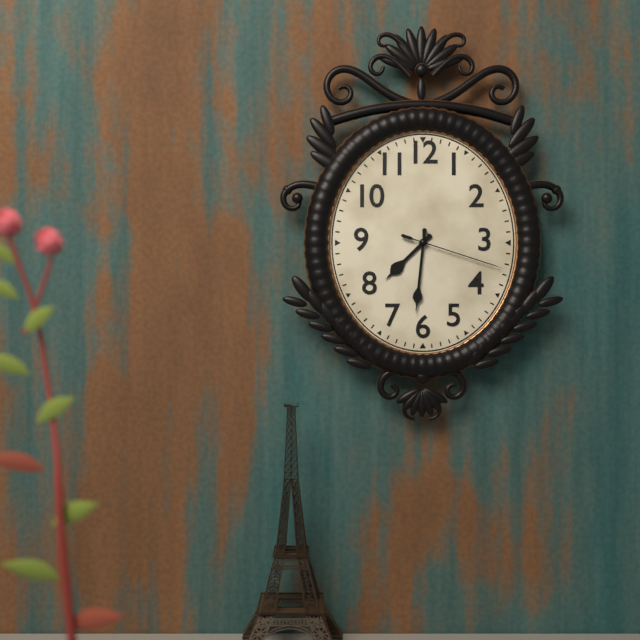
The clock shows 7.31.18
